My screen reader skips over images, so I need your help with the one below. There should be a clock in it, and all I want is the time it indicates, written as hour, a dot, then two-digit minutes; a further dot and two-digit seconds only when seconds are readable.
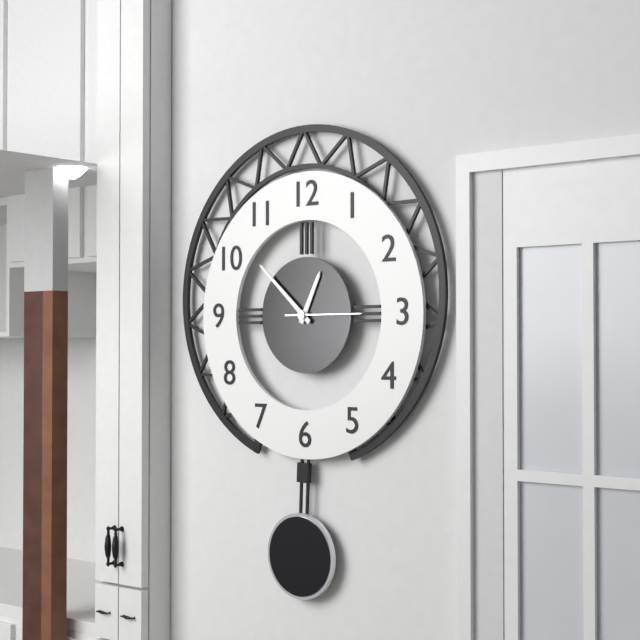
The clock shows 12.52.15
